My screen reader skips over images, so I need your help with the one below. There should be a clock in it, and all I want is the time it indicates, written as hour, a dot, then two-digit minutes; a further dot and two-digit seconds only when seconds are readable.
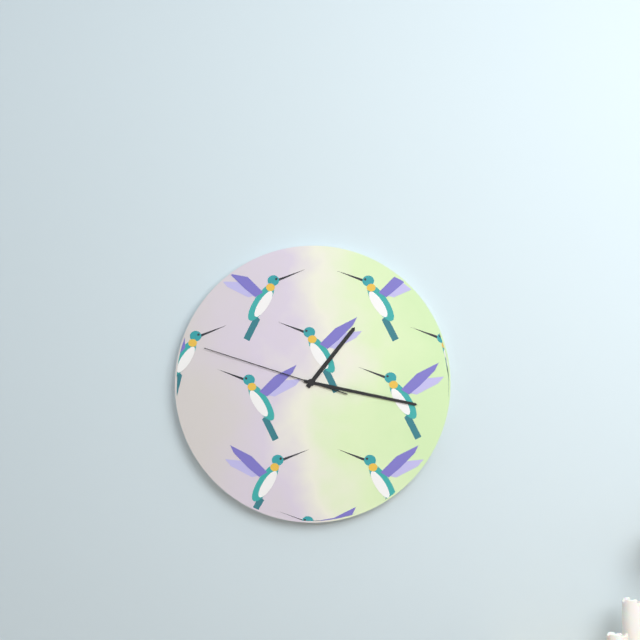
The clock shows 1.17.48
